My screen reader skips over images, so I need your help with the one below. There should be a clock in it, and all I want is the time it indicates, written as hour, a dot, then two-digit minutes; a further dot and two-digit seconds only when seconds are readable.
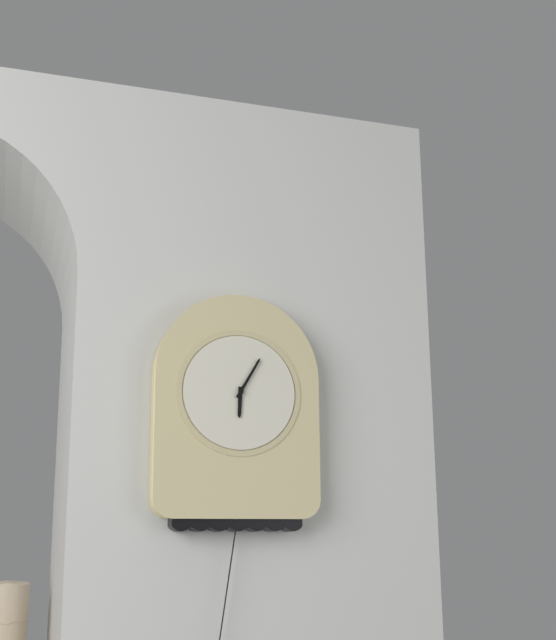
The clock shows 6.05
